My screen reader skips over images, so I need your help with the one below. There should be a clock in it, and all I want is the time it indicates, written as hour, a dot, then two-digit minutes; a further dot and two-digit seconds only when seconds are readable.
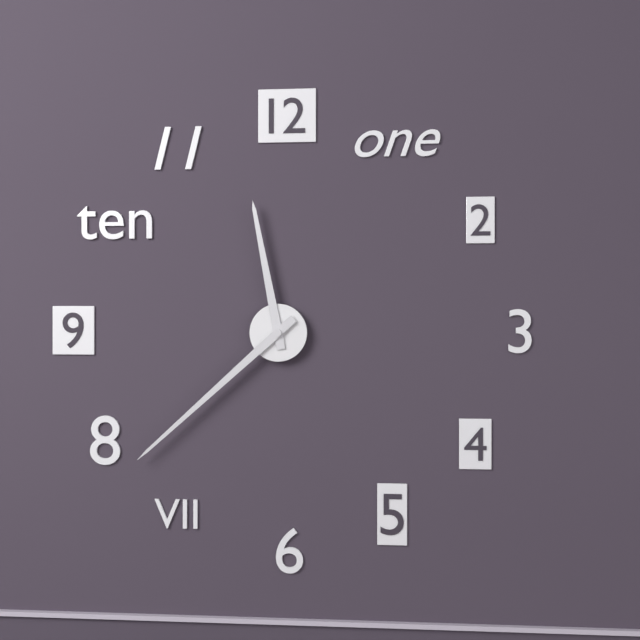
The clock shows 11.38
